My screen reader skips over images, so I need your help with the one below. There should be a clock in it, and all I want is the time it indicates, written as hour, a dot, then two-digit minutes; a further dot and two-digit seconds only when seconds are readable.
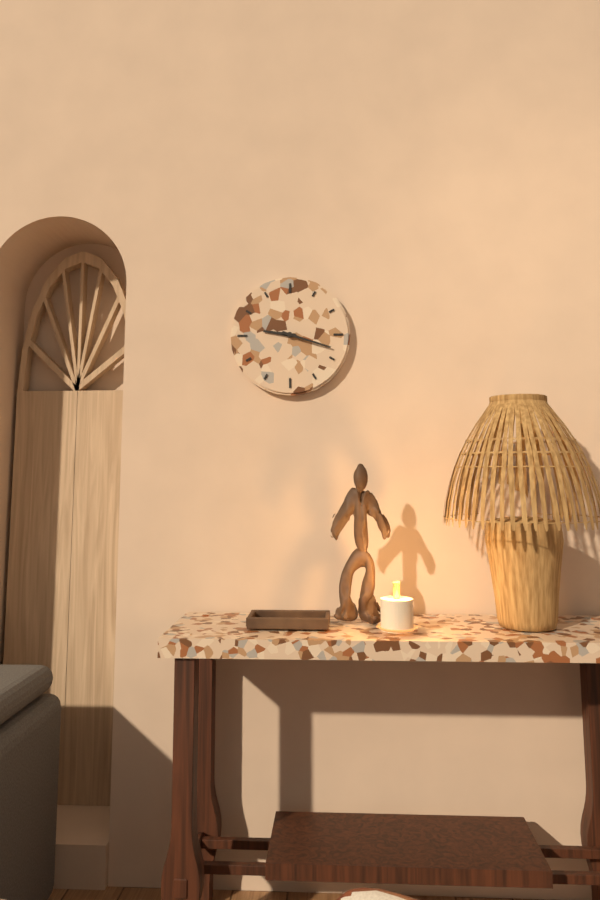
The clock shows 9.18
